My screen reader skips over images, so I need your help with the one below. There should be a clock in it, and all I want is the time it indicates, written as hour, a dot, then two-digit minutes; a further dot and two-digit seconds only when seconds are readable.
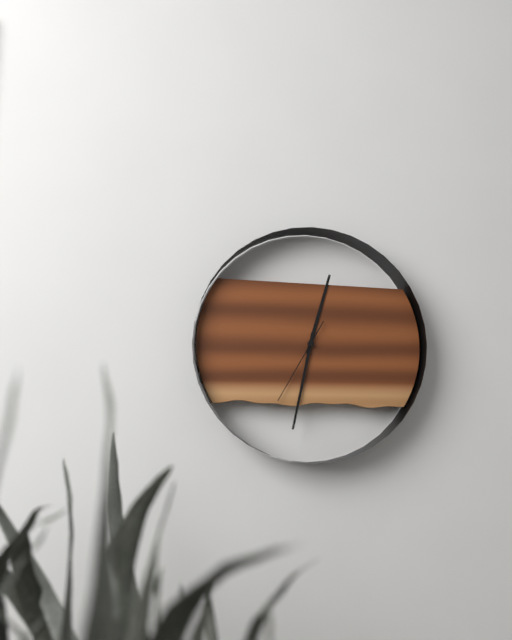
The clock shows 12.32.35
